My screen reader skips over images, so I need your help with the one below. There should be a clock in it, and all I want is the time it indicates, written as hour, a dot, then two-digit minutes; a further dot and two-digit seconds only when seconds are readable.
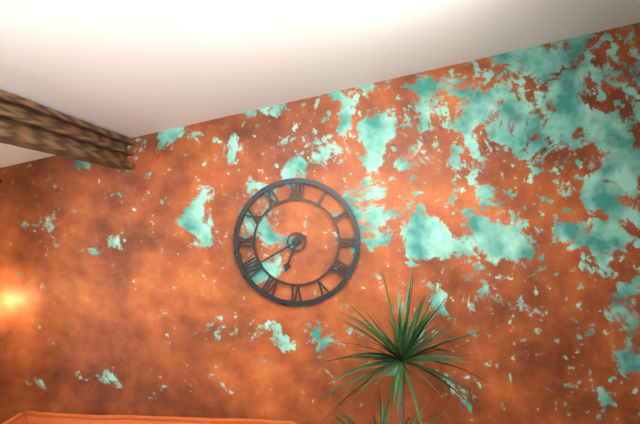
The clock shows 6.40
